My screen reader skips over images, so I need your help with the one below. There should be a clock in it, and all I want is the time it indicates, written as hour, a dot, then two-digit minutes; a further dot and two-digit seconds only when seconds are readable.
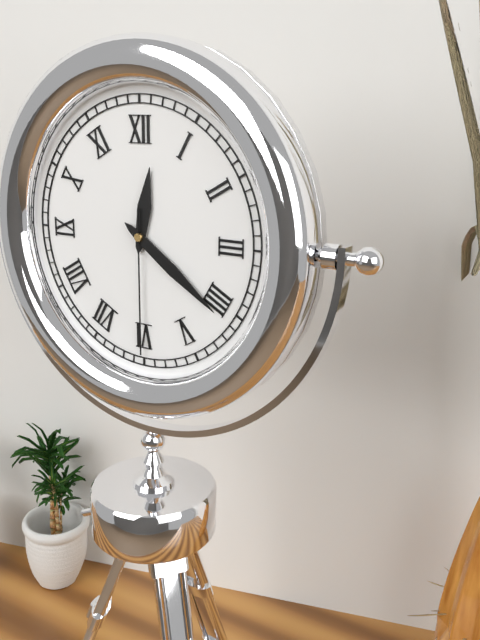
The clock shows 12.21.30
